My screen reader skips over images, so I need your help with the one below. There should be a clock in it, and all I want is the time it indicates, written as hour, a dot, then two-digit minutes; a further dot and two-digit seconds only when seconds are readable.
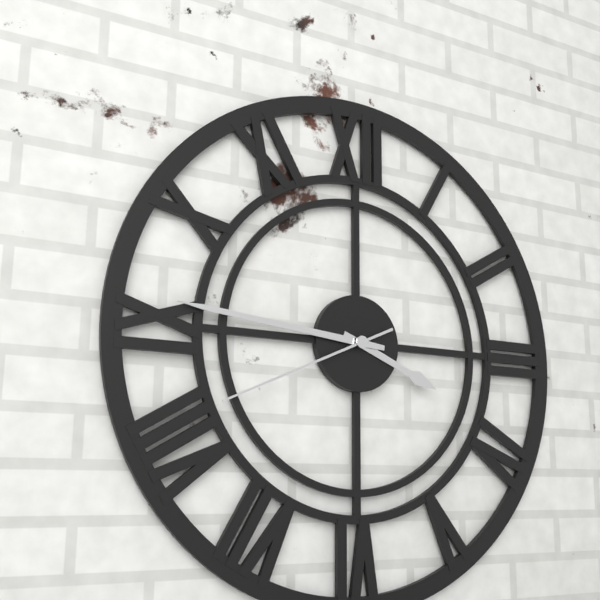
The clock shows 3.46.41
